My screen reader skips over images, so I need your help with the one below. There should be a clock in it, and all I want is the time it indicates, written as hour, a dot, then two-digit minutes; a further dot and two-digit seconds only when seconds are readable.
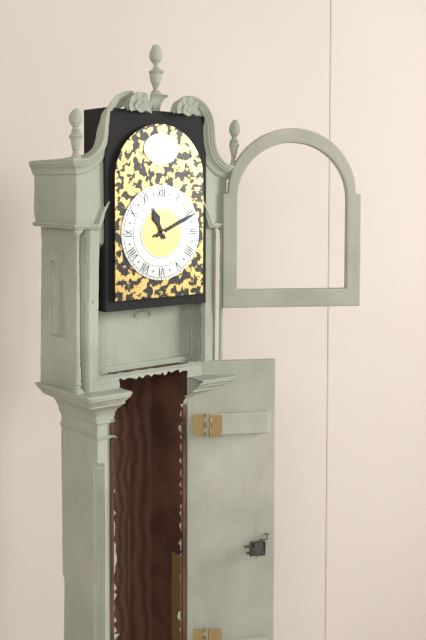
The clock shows 11.11
